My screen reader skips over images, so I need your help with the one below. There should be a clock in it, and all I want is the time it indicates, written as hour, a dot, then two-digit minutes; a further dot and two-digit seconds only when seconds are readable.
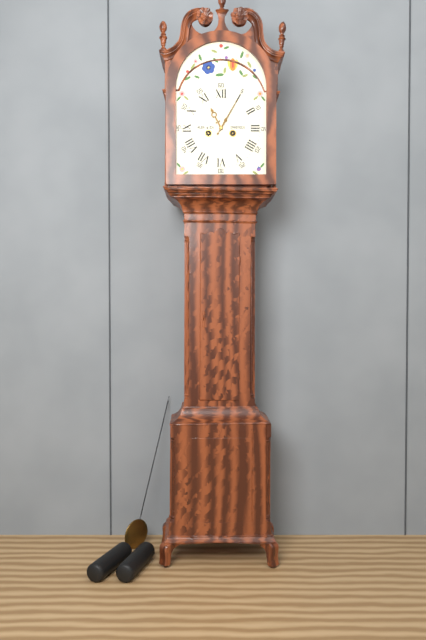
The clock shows 11.05
